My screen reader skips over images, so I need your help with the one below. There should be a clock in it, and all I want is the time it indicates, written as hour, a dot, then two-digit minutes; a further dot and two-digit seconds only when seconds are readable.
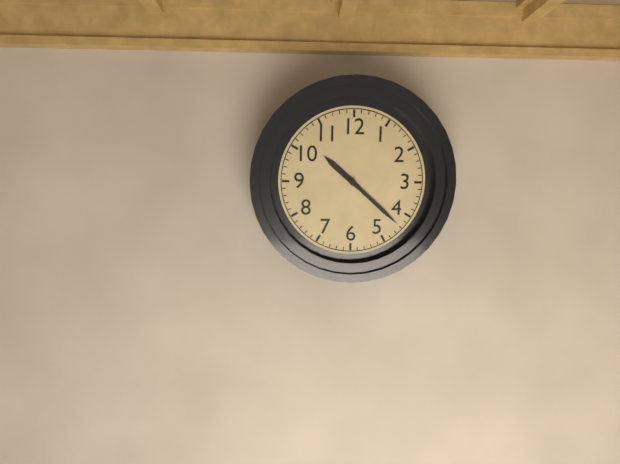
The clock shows 10.22
